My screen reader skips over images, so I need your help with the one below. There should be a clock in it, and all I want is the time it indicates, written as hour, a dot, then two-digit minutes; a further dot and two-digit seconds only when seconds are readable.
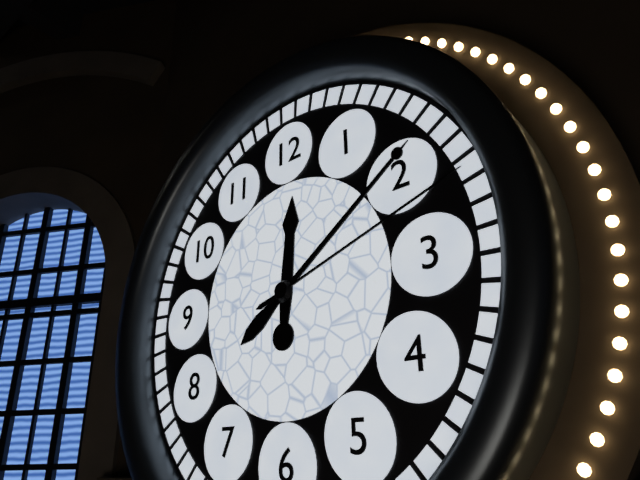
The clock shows 12.09.12
